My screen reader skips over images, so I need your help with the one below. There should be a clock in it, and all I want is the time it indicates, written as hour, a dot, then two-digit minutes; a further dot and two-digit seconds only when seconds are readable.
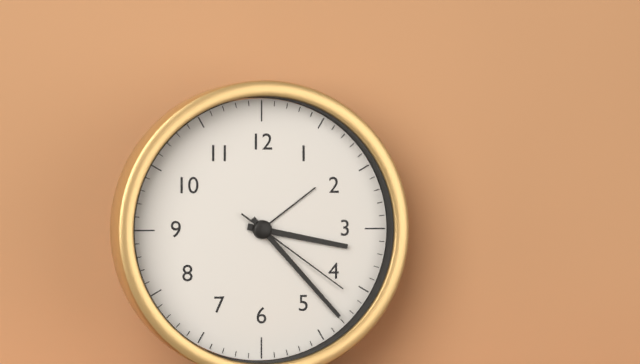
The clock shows 3.23.21
